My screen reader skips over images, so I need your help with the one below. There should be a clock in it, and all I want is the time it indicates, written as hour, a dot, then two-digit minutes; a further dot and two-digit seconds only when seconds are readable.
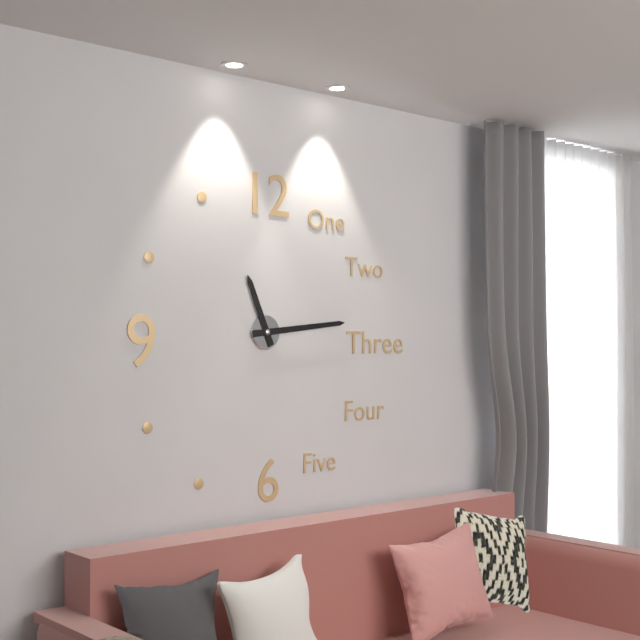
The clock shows 11.14
